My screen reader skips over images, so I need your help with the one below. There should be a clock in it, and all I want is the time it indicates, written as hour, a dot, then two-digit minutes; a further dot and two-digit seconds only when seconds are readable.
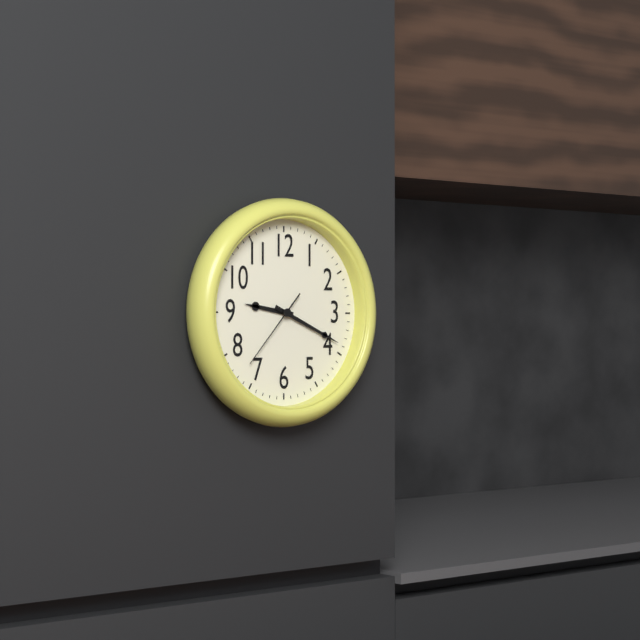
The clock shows 9.19.37
